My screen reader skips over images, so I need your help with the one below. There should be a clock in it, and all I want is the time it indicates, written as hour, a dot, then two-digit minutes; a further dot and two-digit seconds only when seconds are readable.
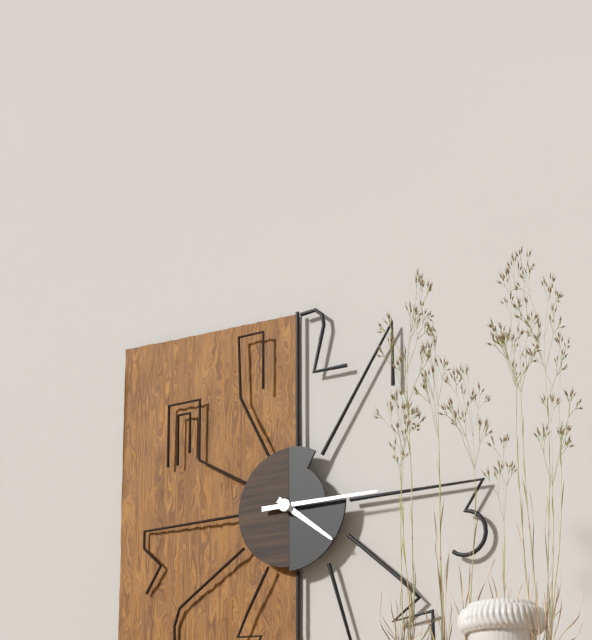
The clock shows 4.15
